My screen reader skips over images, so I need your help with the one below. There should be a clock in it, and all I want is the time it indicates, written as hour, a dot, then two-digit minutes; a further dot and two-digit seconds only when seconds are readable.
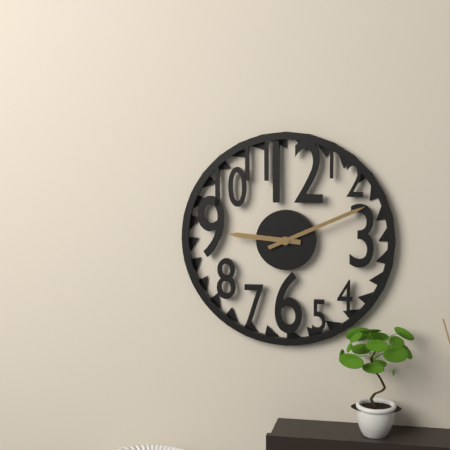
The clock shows 9.11
